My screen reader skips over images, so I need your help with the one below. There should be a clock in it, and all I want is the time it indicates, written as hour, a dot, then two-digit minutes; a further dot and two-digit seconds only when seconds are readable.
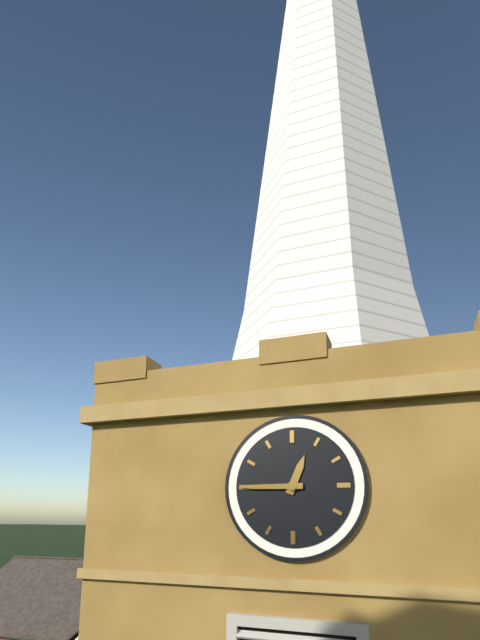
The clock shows 12.45
